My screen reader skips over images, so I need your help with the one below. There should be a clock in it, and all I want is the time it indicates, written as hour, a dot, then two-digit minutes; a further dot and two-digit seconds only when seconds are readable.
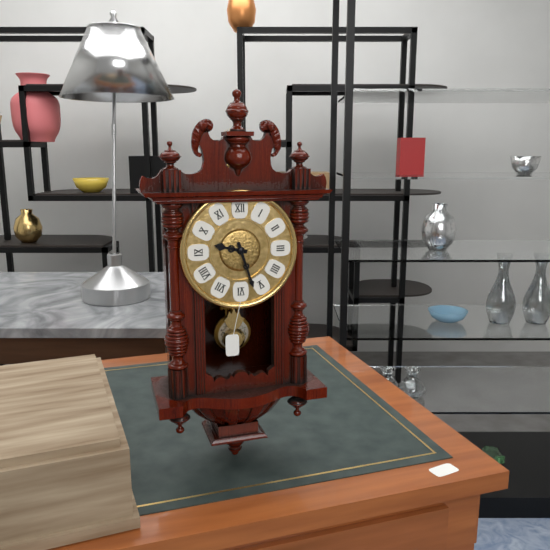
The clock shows 9.27
